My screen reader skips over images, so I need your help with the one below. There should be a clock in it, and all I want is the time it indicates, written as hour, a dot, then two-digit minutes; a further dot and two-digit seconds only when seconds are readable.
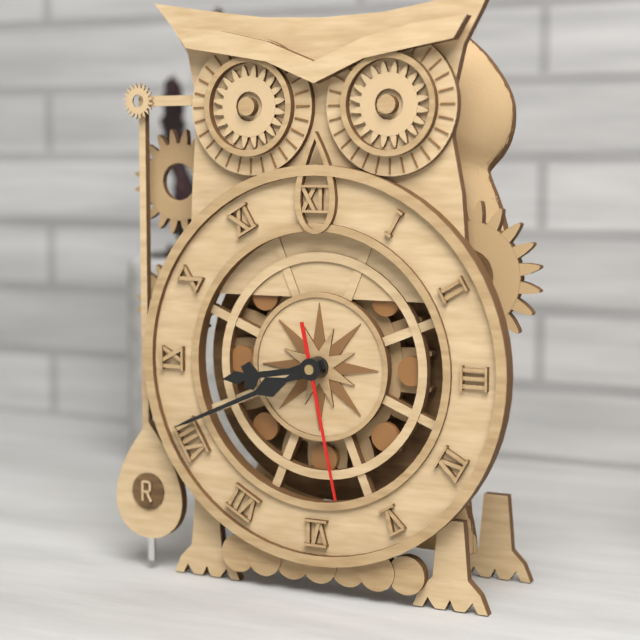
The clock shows 8.41.28
